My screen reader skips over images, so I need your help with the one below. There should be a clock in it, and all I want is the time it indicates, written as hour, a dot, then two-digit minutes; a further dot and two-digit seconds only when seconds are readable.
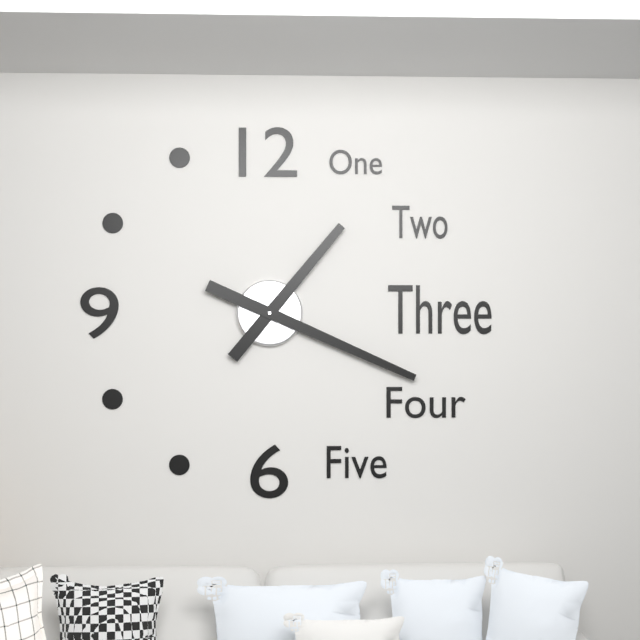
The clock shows 1.19
